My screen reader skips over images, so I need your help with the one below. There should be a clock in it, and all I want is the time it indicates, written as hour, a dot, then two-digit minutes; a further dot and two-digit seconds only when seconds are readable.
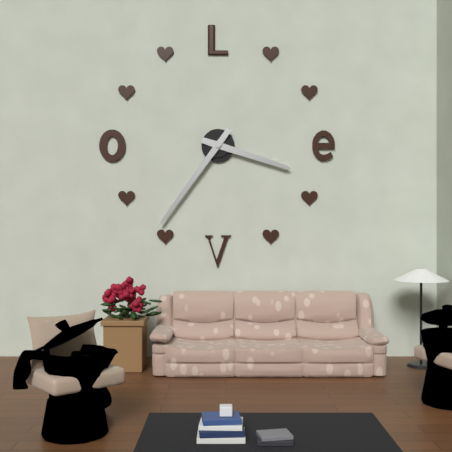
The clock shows 3.36
